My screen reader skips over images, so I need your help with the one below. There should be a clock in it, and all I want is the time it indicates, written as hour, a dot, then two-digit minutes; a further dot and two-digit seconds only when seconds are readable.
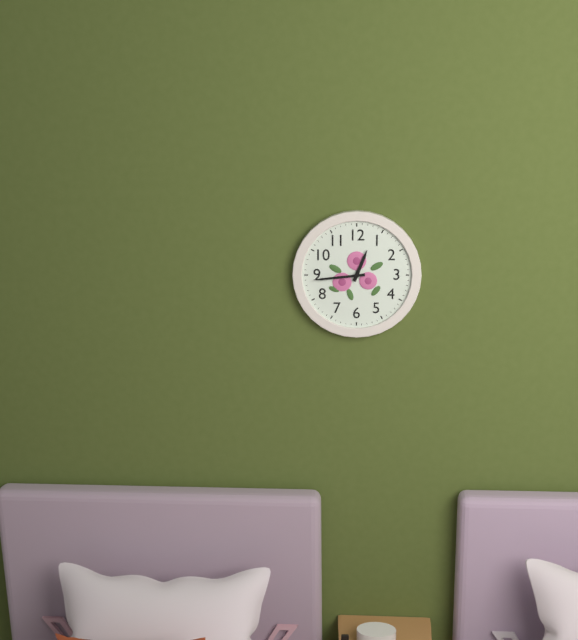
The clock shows 12.44
